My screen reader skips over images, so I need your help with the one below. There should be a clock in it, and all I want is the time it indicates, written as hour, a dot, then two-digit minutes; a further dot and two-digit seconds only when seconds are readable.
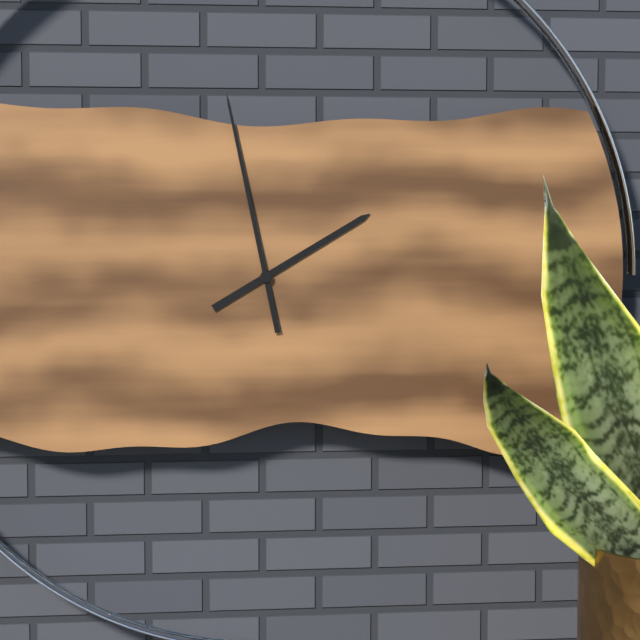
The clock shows 1.58
